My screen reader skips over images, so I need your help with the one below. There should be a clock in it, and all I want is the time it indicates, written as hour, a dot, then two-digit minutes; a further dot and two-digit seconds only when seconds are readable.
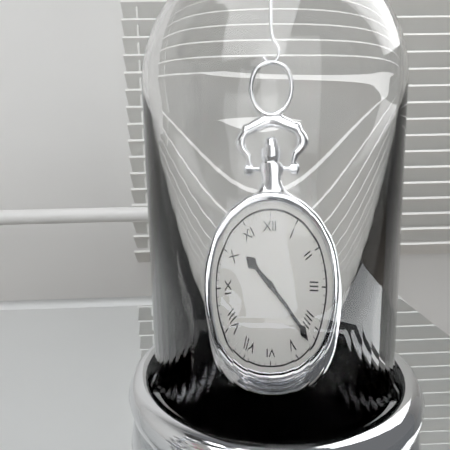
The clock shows 10.22
